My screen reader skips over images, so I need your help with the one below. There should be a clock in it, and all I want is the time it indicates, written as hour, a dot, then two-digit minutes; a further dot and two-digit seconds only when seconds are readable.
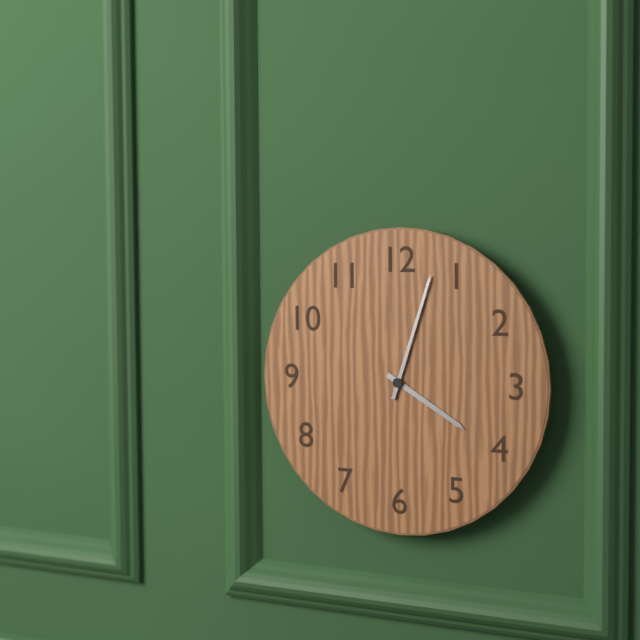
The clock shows 4.03
